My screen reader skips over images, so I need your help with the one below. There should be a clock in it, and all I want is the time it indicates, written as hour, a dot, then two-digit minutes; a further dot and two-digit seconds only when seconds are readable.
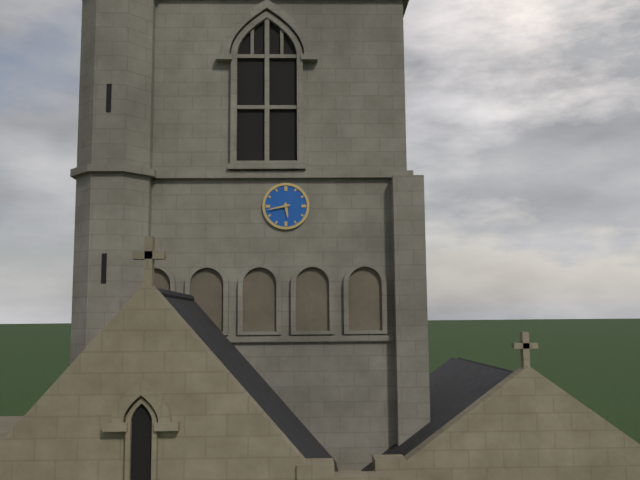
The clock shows 5.43
